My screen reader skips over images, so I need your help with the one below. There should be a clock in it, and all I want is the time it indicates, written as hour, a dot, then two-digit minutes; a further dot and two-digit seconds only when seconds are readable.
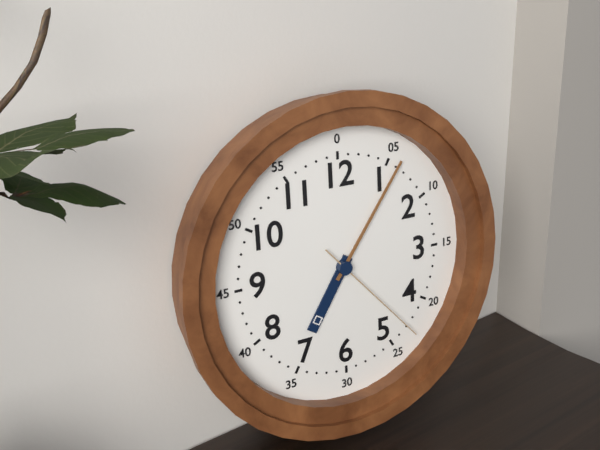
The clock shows 7.06.23
